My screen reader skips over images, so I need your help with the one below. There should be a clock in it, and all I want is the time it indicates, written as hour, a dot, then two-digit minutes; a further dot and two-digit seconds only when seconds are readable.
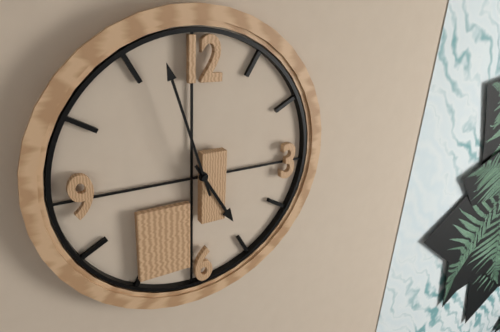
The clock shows 4.57
